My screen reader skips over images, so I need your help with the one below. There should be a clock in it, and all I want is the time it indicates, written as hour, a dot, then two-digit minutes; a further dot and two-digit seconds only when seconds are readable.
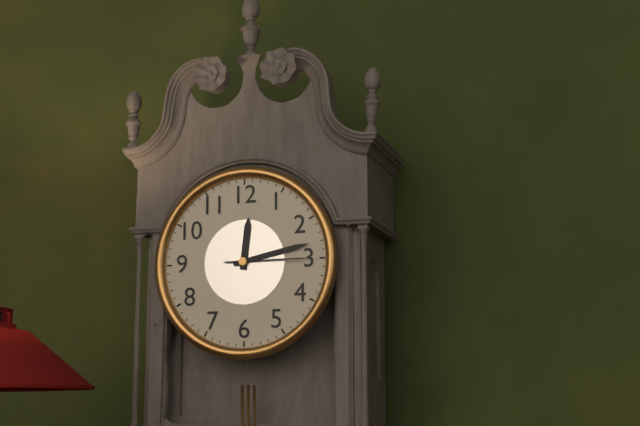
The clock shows 12.13.15
